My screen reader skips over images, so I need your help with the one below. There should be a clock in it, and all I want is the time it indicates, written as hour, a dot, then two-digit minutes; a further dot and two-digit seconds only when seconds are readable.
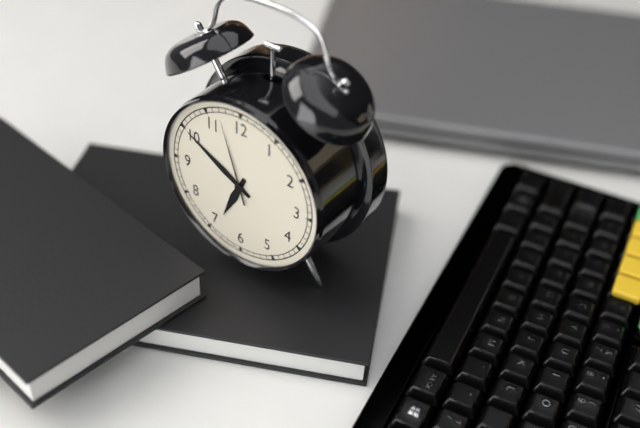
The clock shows 6.50.57
